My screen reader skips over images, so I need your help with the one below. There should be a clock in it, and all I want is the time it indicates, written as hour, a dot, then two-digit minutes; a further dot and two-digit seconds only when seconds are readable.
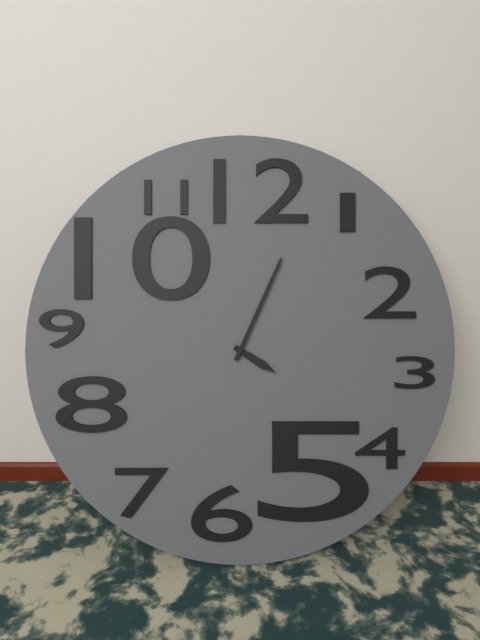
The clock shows 4.04
